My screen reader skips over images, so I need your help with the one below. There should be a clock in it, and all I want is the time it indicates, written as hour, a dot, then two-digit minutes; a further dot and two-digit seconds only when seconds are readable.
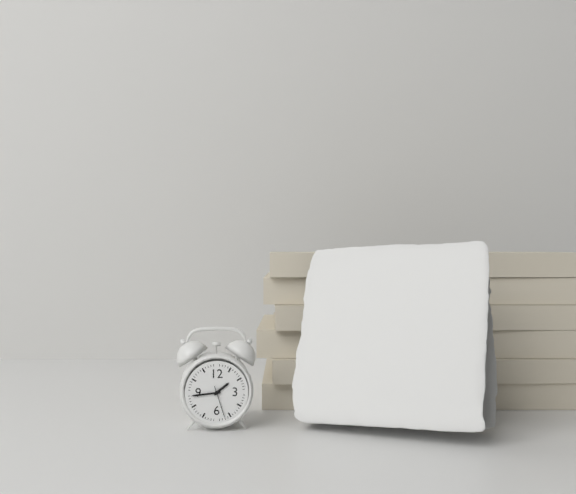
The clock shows 1.44
